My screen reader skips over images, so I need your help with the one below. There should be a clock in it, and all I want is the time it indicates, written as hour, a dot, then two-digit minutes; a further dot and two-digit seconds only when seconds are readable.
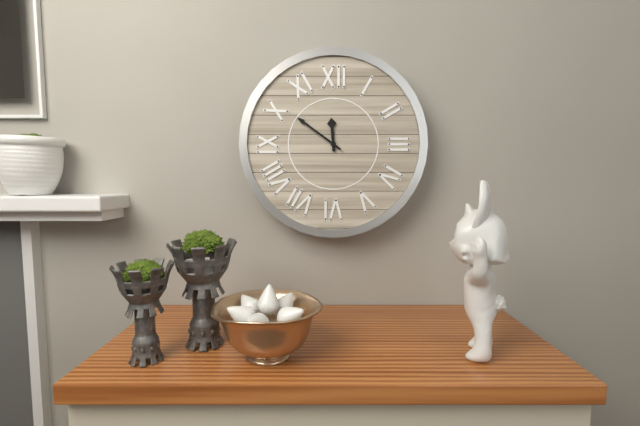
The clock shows 11.51
